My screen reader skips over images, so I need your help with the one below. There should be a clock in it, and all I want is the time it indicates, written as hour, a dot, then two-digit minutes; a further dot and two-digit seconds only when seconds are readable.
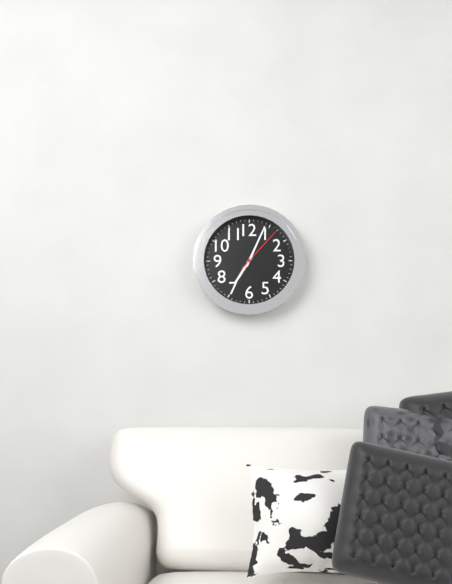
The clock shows 7.04.07
